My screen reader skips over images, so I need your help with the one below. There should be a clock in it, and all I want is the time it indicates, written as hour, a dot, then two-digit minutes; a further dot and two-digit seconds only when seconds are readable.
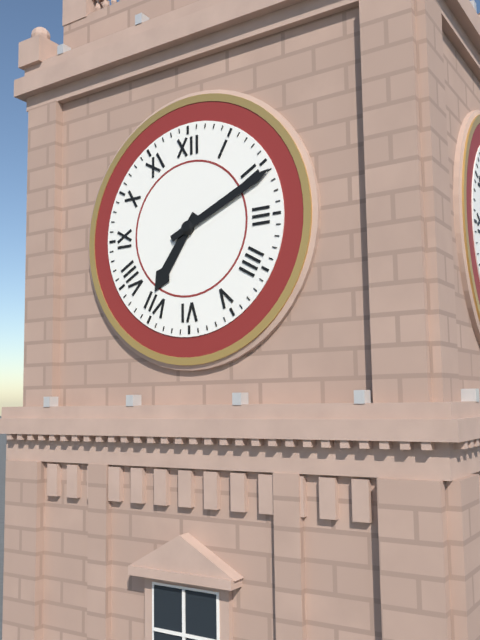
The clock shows 7.11
